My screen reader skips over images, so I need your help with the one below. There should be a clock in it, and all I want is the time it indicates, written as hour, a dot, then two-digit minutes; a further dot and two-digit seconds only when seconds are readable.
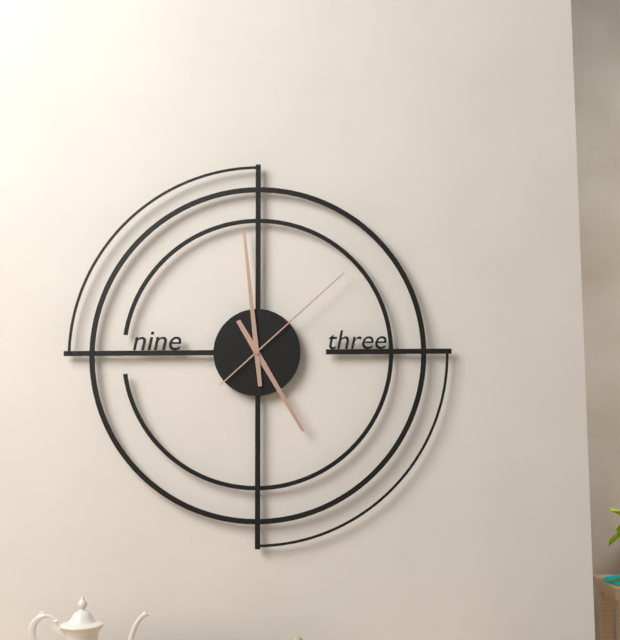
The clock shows 4.59.08
